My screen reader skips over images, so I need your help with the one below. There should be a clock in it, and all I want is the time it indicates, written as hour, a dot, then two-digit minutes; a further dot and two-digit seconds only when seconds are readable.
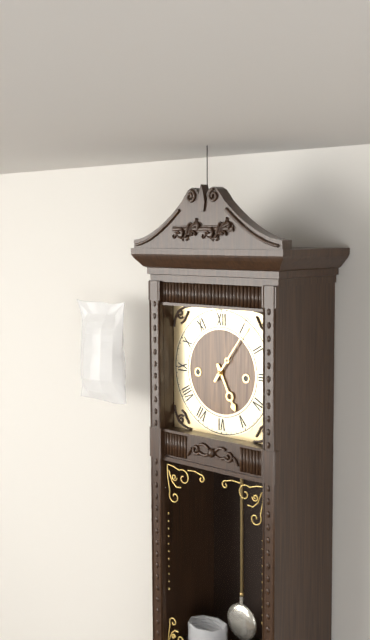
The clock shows 5.06
